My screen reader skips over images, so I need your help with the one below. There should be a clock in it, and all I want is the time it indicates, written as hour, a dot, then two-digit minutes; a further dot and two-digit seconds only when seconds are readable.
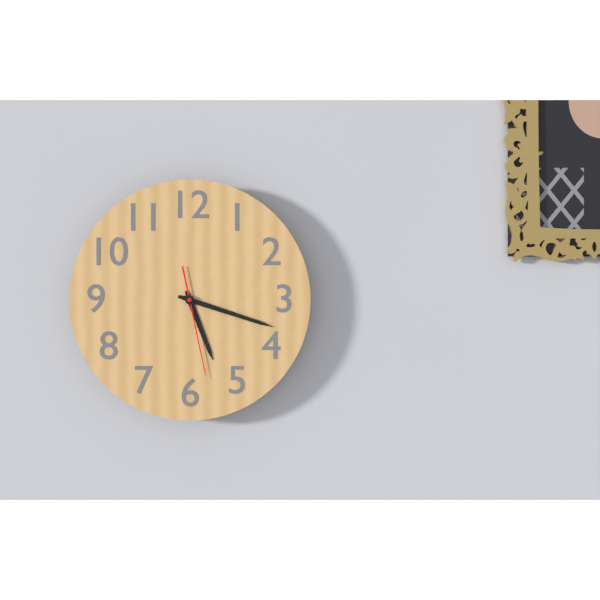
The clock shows 5.18.28
